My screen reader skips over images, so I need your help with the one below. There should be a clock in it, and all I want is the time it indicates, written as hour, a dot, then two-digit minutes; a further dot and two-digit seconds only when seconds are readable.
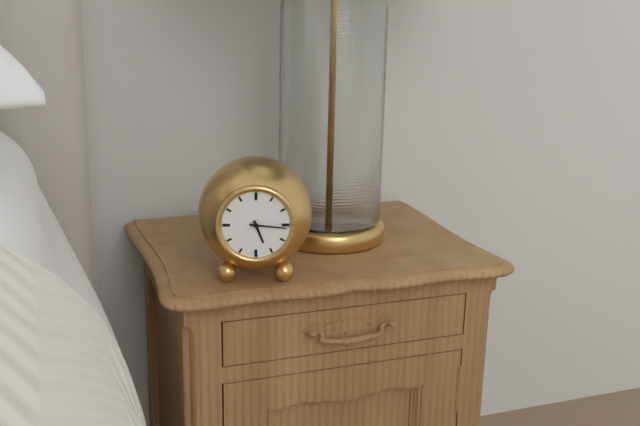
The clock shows 5.16
